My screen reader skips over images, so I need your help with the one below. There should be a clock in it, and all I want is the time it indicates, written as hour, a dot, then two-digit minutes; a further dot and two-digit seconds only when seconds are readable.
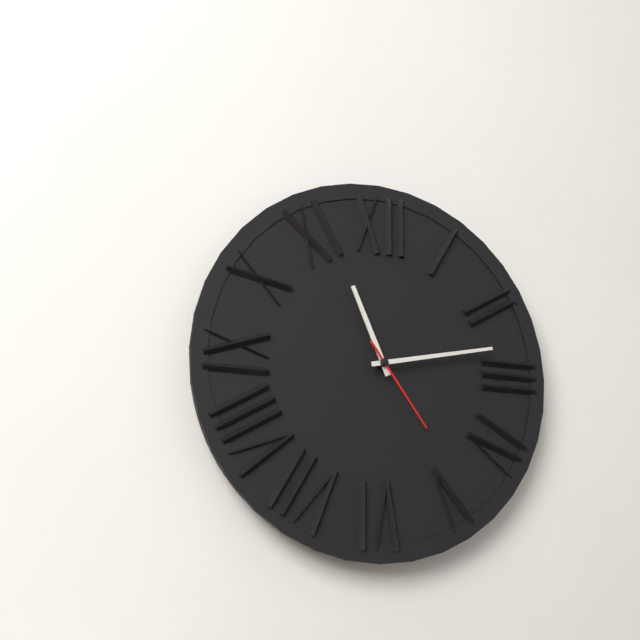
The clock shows 11.13.24
